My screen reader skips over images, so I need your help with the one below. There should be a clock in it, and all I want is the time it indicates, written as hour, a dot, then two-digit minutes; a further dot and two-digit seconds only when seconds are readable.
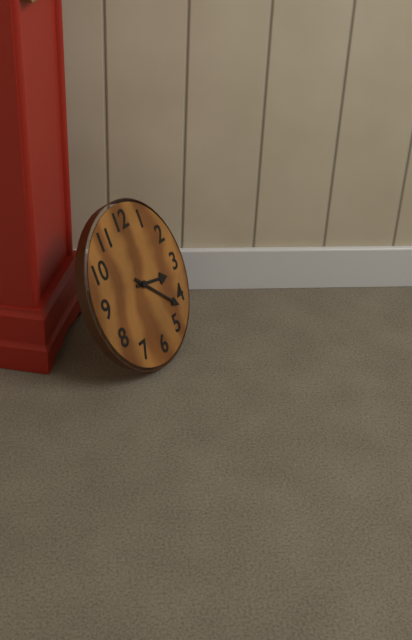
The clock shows 3.22
